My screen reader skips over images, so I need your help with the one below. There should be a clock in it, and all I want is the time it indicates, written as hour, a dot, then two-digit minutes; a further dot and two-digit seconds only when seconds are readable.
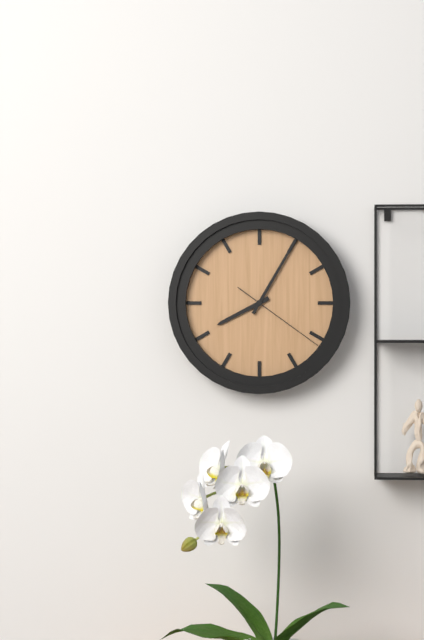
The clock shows 8.05.21
